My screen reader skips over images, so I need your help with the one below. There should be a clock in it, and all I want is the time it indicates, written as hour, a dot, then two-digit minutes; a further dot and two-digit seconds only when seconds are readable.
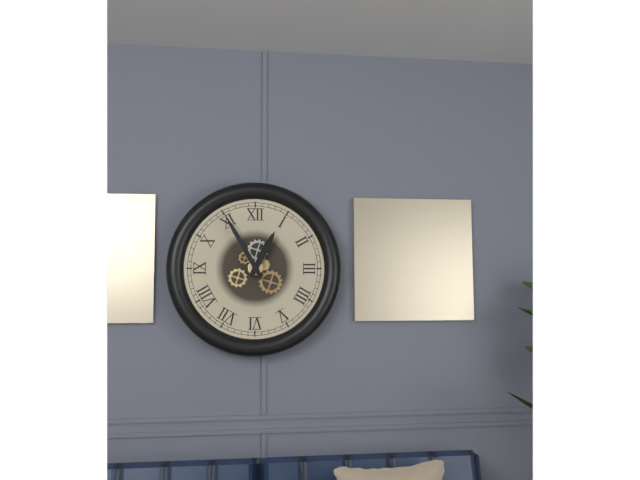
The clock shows 12.55
